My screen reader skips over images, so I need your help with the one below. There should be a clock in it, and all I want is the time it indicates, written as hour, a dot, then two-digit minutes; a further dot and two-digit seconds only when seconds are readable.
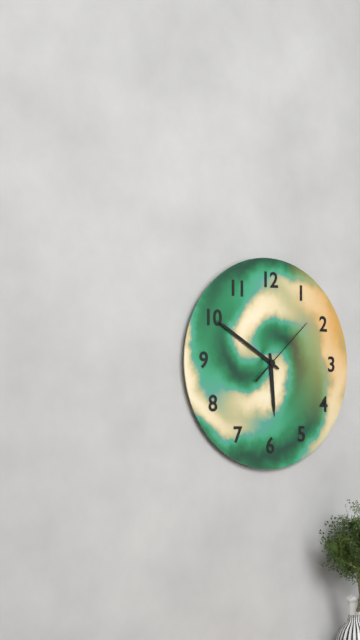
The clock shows 5.50.08
